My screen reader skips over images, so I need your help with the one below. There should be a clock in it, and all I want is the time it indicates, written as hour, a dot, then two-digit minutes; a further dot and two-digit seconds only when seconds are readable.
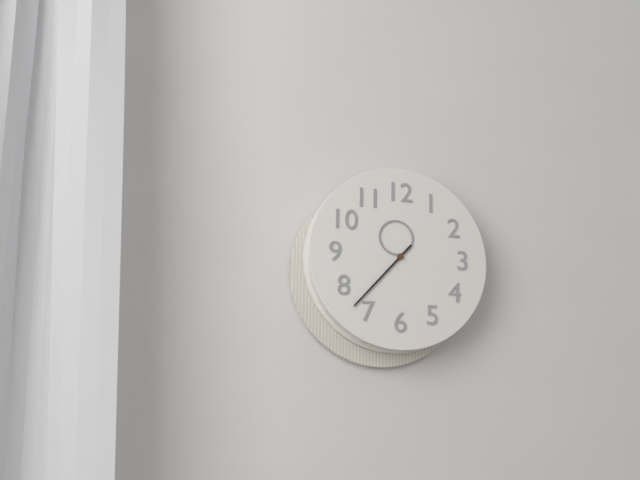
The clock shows 11.37
